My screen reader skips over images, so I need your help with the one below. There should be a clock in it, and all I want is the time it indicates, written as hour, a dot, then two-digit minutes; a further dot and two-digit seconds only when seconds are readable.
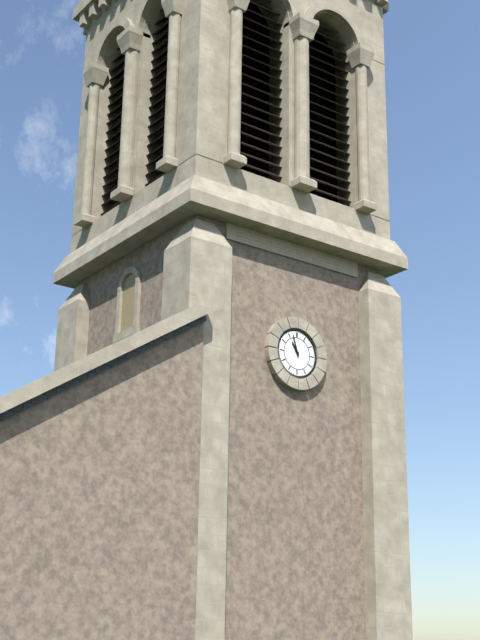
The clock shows 10.57
